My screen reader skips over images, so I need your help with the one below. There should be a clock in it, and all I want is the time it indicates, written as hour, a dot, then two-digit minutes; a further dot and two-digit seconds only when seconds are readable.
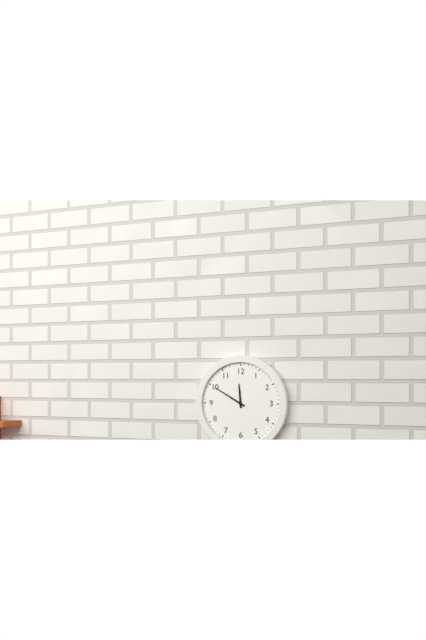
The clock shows 11.50
